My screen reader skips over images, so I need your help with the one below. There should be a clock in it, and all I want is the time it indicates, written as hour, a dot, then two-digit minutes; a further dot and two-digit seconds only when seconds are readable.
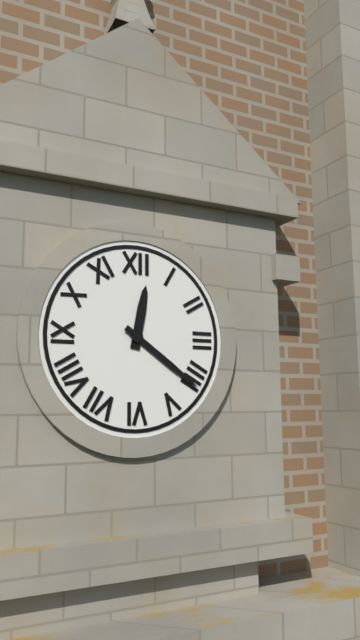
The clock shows 12.21
